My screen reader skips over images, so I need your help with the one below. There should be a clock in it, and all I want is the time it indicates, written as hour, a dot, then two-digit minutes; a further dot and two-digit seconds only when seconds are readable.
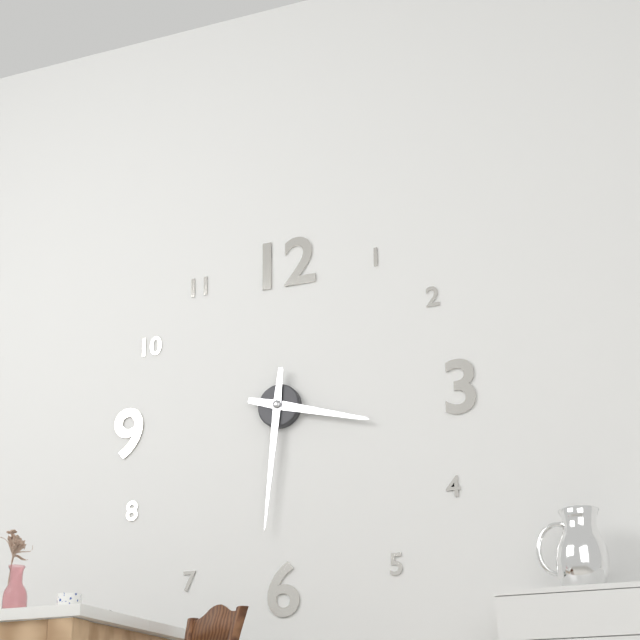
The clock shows 3.31
